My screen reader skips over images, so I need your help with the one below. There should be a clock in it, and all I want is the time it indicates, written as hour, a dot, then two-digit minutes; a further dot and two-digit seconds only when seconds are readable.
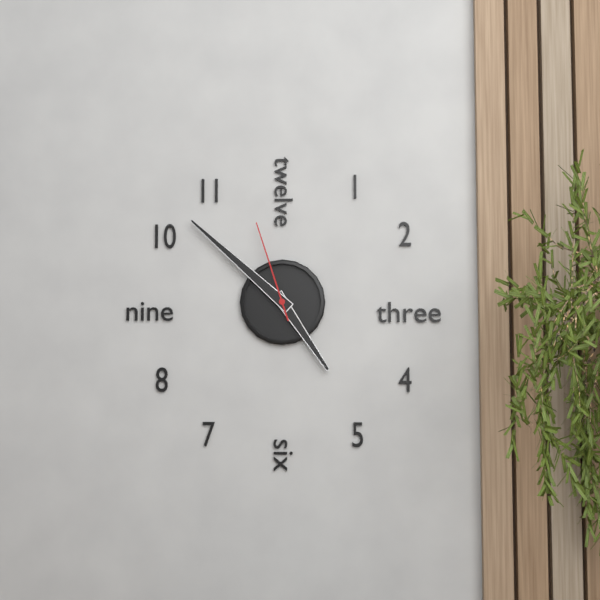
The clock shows 4.52.57
